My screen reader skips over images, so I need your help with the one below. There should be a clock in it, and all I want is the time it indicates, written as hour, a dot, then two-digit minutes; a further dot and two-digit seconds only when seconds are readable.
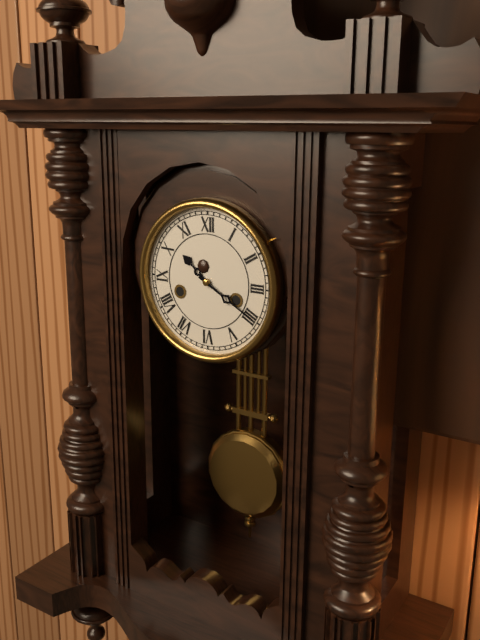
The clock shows 10.20
